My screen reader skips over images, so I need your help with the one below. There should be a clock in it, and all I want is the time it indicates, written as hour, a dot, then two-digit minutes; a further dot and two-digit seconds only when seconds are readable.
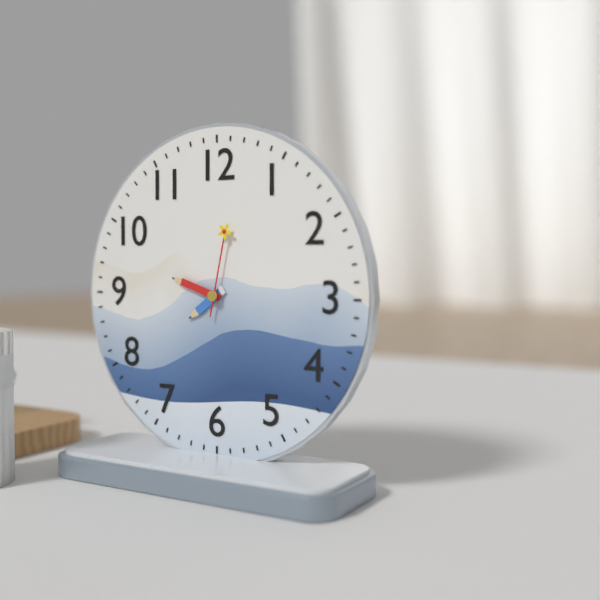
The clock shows 7.48.02
